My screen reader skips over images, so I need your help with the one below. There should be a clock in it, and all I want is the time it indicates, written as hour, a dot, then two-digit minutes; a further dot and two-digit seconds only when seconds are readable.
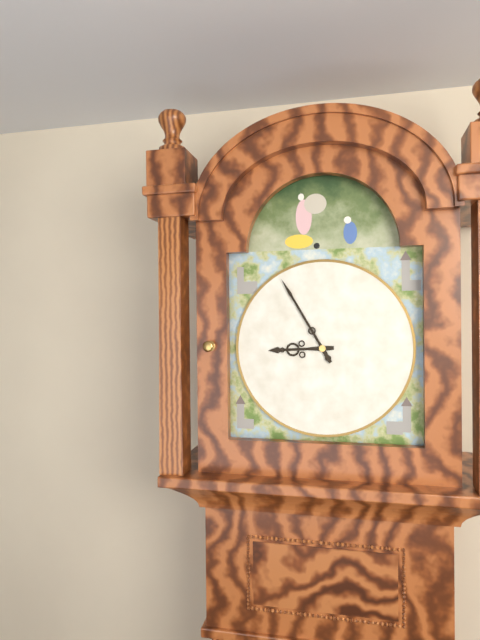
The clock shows 8.55
